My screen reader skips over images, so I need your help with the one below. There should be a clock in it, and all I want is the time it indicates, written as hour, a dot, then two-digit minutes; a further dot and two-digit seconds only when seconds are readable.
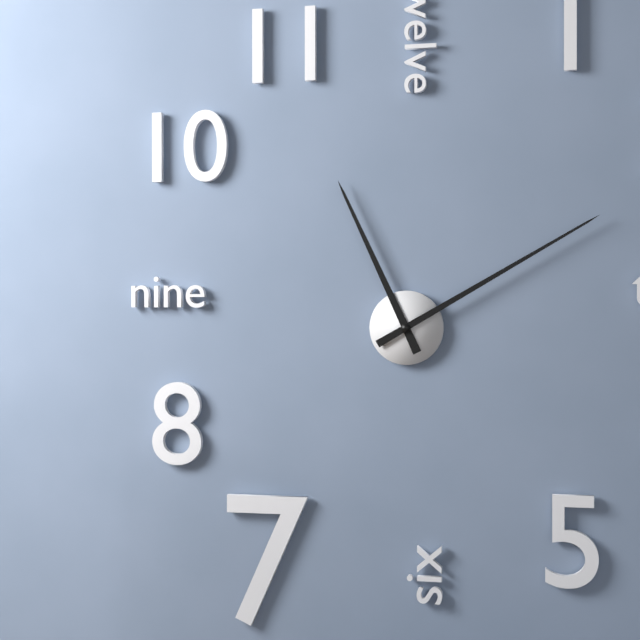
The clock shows 11.10
